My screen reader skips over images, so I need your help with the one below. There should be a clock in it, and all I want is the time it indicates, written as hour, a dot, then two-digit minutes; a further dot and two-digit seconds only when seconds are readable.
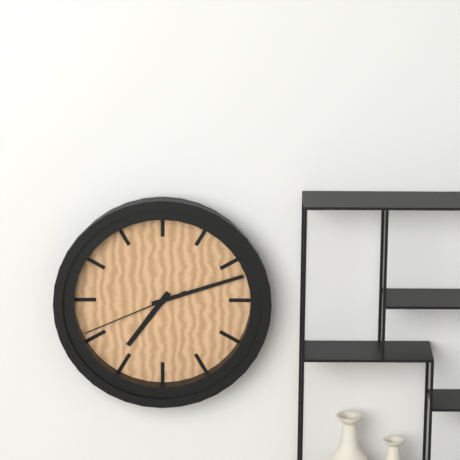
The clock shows 7.12.41
